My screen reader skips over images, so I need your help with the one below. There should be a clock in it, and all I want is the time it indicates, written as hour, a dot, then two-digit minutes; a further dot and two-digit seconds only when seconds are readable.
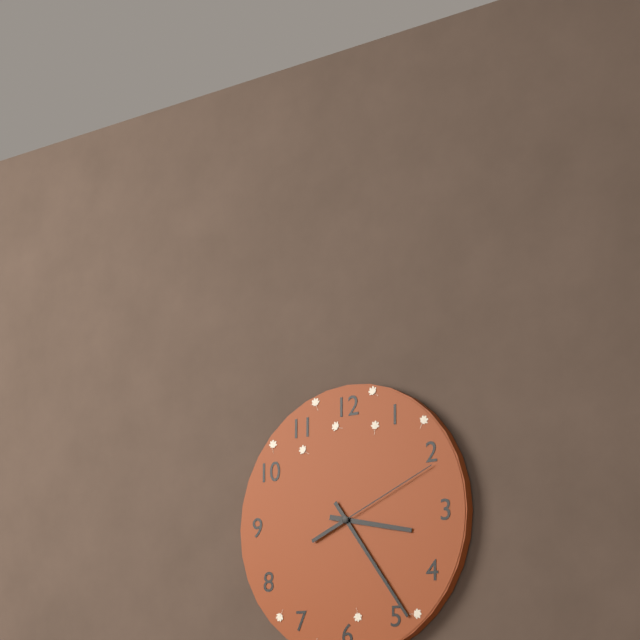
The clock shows 3.24.11
